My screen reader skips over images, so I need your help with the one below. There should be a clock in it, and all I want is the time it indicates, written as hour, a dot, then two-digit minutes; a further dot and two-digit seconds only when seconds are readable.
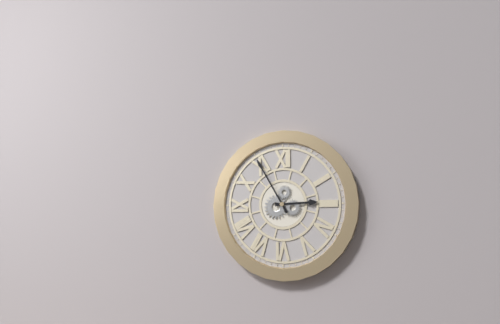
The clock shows 2.55
